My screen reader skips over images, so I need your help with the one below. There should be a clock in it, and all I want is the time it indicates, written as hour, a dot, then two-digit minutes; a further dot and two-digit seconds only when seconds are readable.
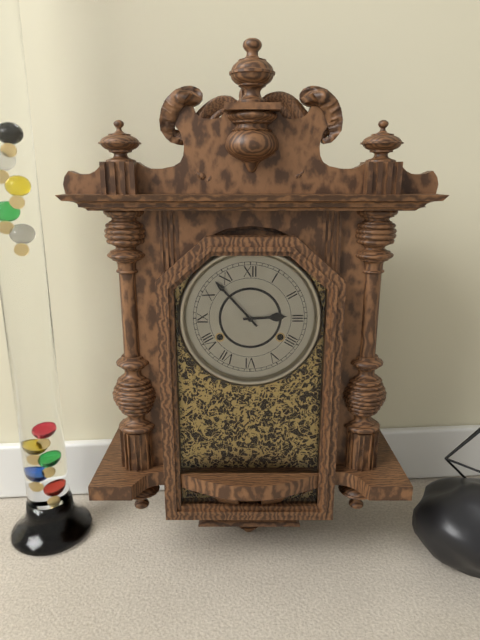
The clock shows 2.53
